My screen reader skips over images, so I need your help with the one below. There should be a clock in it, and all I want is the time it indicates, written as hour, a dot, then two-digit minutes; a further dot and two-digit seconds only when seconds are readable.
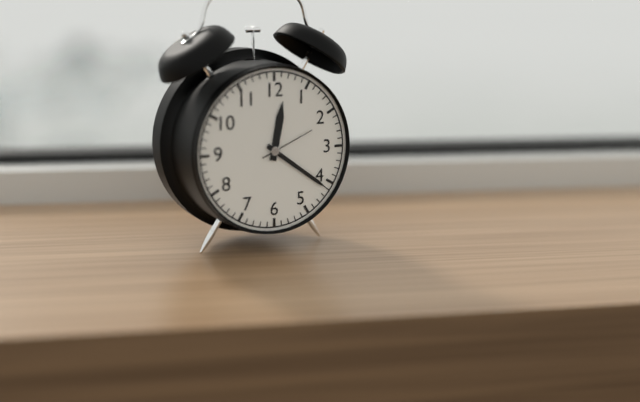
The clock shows 12.21.11
